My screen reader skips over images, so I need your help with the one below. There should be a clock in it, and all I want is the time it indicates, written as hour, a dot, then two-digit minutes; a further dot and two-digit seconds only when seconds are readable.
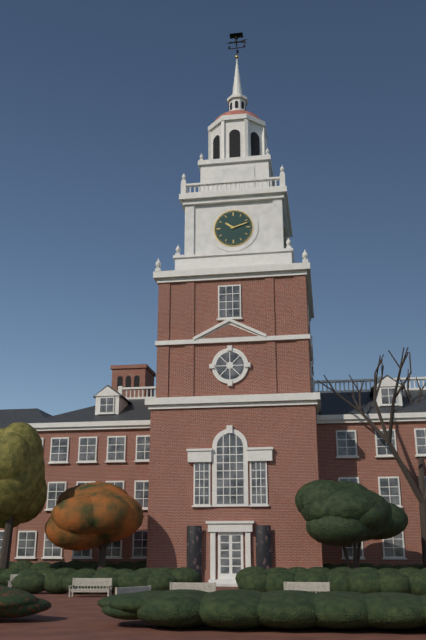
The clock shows 10.12
